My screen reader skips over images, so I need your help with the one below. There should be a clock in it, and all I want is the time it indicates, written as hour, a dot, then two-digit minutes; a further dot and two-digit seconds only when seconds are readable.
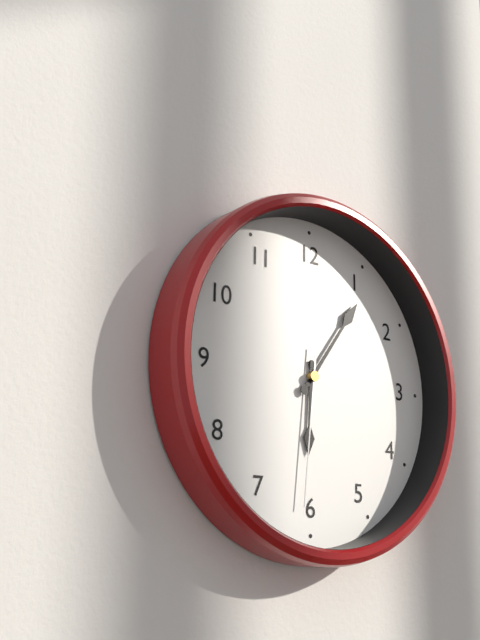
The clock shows 6.06.31
